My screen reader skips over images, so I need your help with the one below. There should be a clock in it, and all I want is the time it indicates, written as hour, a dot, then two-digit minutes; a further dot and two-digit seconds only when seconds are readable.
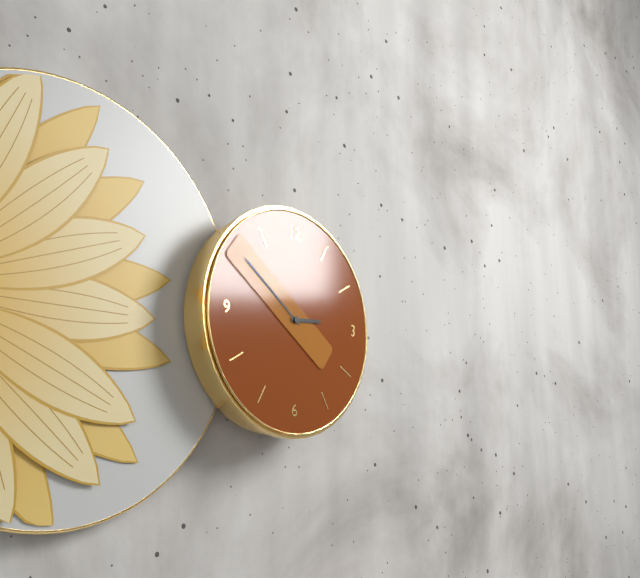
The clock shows 2.51
